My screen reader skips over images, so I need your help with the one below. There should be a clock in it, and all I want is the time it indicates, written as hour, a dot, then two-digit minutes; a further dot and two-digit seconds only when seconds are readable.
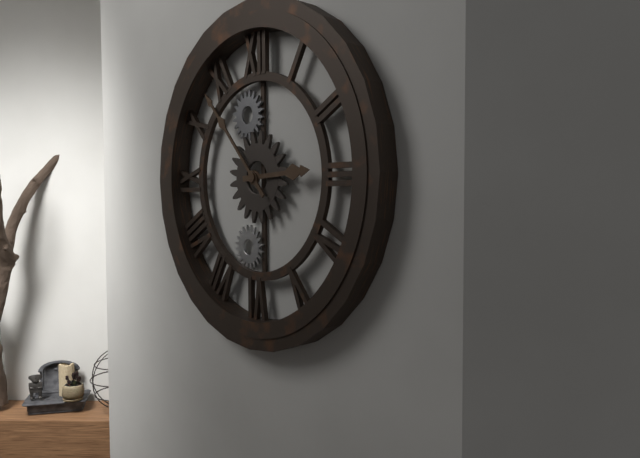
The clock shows 2.53
